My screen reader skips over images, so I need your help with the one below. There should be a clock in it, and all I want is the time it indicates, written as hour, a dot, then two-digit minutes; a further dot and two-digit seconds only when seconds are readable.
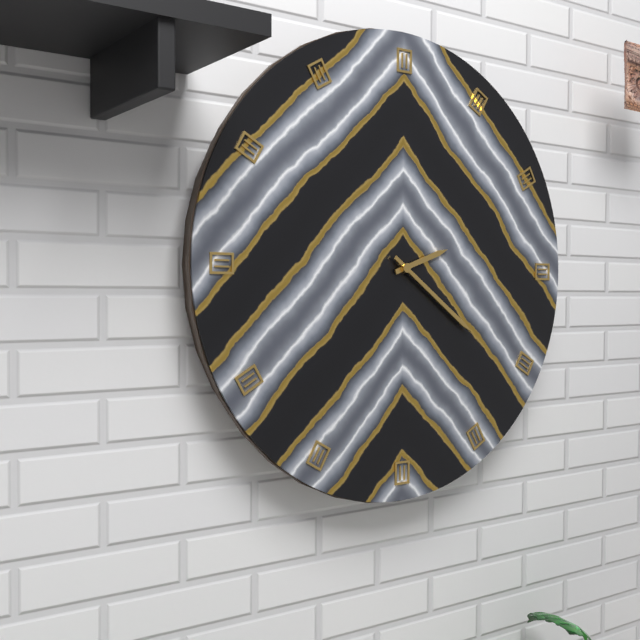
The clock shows 2.21
